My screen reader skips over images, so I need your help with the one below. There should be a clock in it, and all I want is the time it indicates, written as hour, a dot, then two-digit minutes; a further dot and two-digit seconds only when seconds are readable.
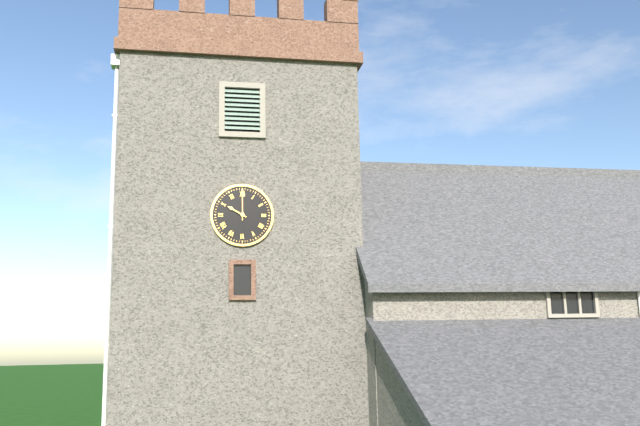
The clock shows 10.00
